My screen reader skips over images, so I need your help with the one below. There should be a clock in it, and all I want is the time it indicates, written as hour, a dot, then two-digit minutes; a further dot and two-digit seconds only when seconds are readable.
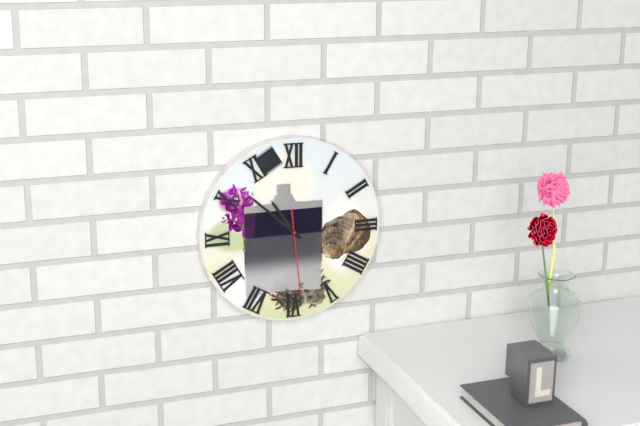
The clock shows 10.52.29
